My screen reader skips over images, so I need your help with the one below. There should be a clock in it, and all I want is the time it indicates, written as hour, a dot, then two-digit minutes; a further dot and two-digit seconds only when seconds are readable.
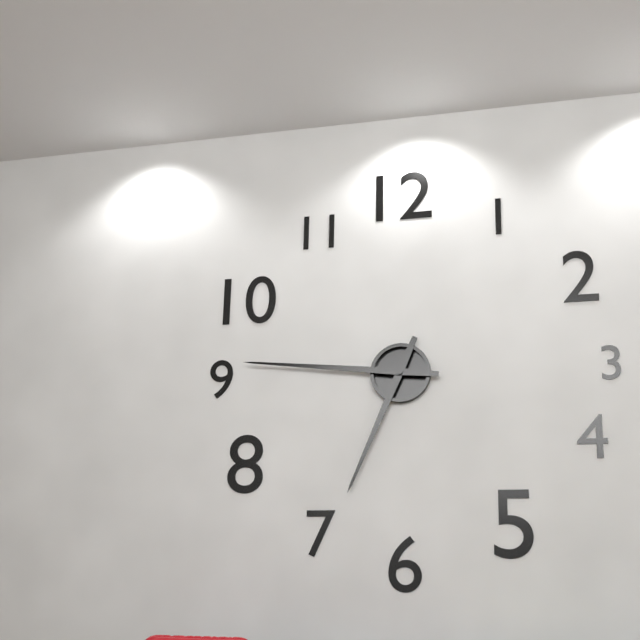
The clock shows 6.46
